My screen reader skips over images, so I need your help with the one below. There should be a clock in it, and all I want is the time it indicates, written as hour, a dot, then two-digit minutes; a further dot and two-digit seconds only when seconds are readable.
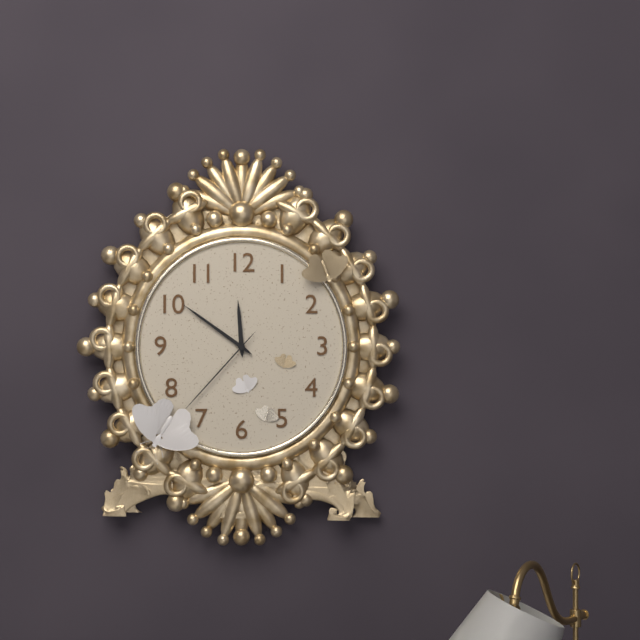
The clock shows 11.51.37
